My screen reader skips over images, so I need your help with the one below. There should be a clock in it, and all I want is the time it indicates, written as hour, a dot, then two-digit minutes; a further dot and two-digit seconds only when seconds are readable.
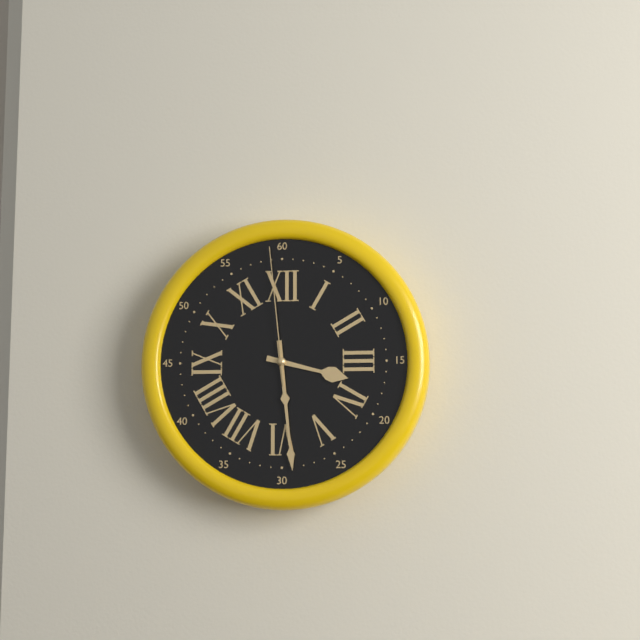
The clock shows 3.29.59
